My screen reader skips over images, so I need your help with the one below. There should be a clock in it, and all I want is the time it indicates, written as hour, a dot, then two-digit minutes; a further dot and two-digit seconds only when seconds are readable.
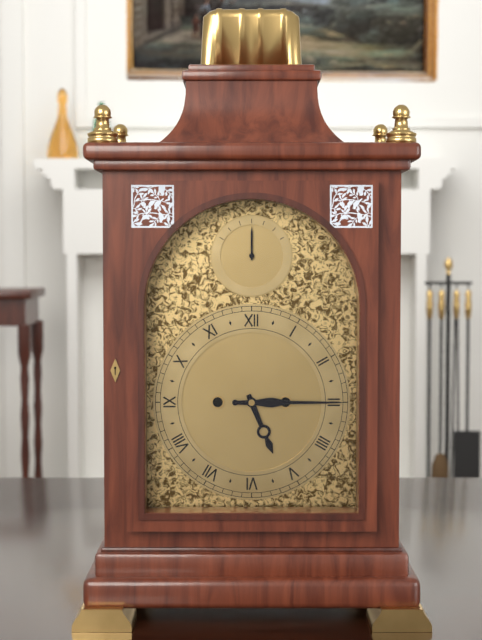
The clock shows 5.15
